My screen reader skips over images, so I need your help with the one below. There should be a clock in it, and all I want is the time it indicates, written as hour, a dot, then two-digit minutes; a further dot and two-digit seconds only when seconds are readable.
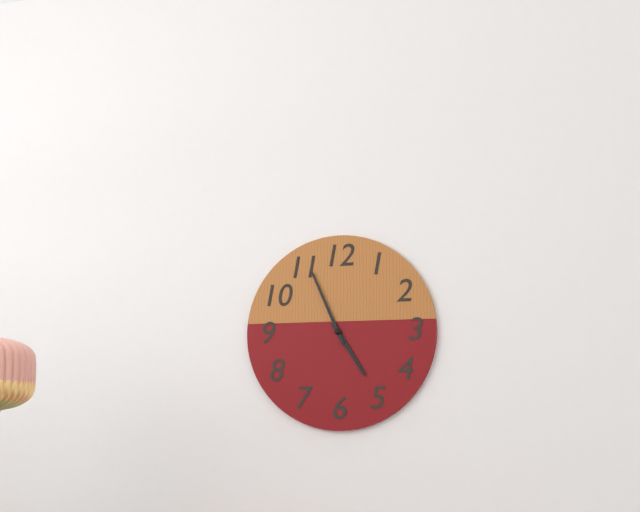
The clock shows 4.56
